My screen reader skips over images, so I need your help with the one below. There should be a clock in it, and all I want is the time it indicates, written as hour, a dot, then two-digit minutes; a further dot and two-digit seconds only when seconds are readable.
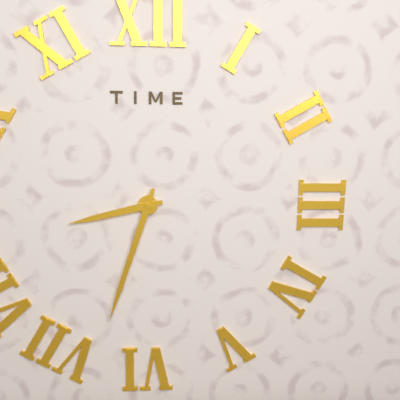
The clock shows 8.33
